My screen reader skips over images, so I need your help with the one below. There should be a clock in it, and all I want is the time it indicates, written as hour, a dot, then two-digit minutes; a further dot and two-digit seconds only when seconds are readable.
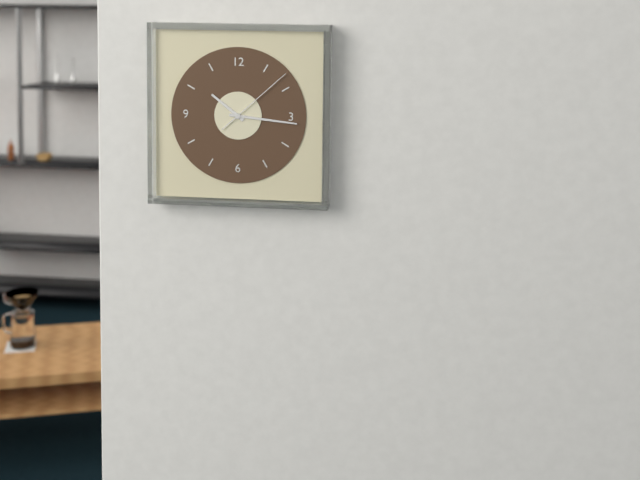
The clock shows 10.16.08
